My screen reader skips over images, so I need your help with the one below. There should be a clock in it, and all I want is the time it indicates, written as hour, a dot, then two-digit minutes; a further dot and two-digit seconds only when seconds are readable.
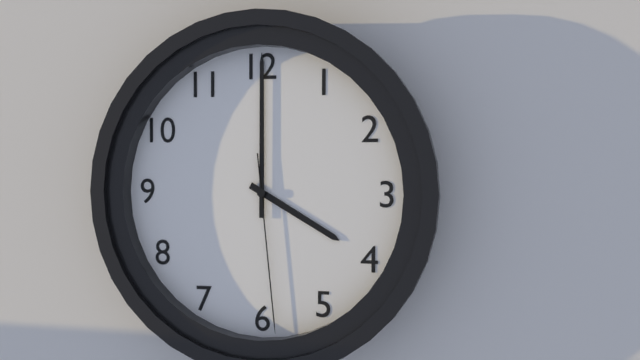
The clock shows 4.00.29
